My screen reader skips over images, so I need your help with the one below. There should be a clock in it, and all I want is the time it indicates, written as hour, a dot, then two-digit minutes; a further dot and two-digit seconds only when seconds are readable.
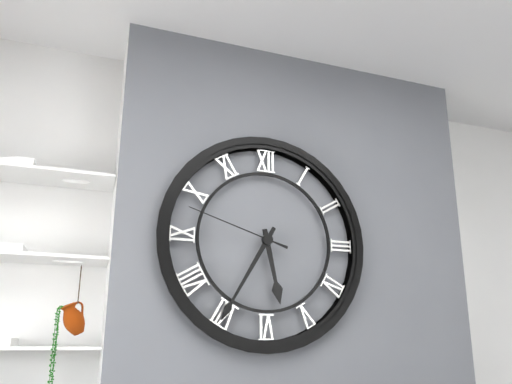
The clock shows 5.35.48
